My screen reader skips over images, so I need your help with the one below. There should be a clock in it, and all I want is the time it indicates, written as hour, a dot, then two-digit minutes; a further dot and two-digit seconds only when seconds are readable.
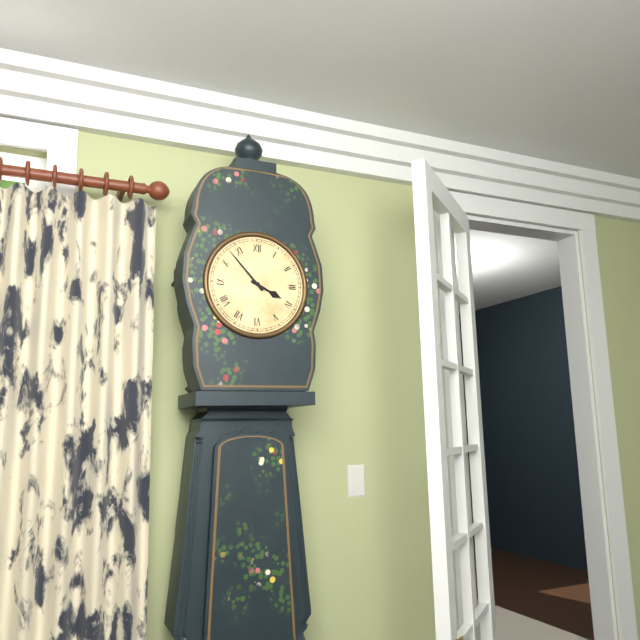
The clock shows 3.53
